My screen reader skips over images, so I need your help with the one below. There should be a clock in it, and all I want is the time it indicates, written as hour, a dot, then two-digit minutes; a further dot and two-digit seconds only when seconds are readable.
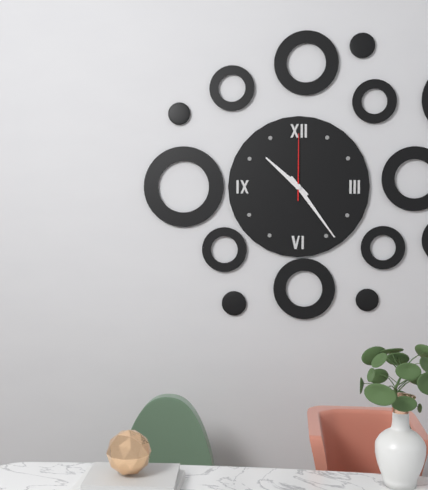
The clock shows 10.24.00
